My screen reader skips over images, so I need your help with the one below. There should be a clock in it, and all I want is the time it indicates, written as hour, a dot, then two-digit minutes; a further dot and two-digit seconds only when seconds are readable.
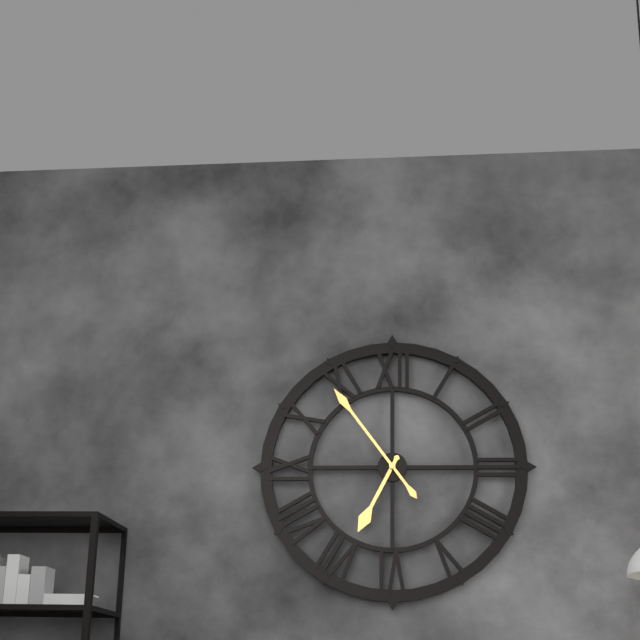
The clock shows 6.54
